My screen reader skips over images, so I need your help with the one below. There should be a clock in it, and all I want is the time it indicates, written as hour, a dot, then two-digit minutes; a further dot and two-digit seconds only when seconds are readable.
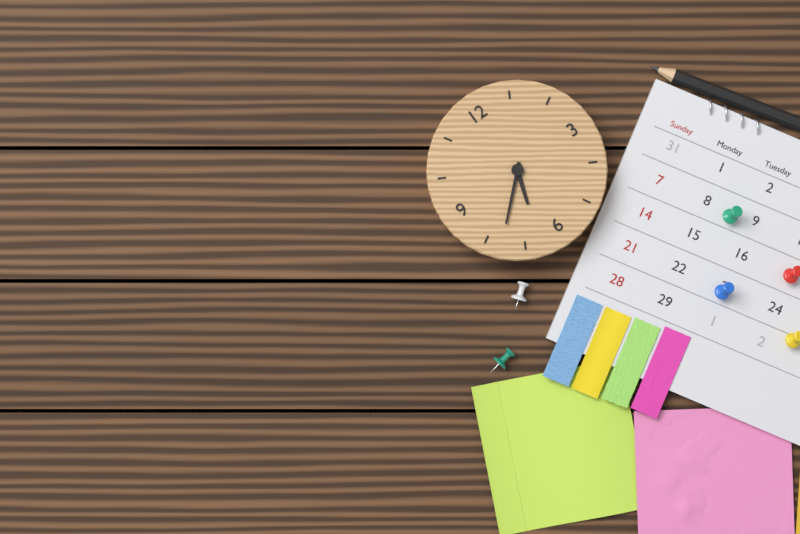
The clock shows 6.38
